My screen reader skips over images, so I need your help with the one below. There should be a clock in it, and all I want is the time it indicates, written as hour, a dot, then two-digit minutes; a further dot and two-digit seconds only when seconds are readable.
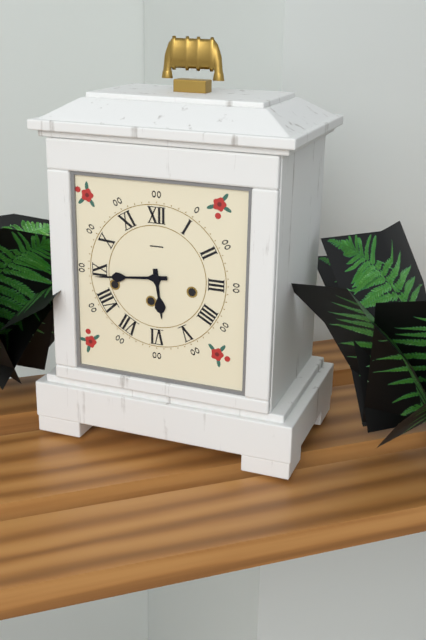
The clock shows 5.44
